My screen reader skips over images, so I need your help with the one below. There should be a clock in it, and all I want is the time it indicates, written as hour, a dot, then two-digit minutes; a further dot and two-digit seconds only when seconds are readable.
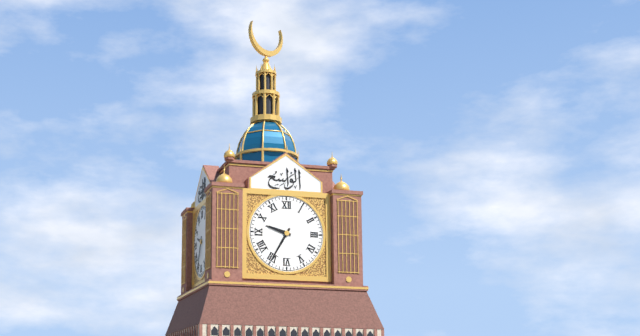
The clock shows 9.35
